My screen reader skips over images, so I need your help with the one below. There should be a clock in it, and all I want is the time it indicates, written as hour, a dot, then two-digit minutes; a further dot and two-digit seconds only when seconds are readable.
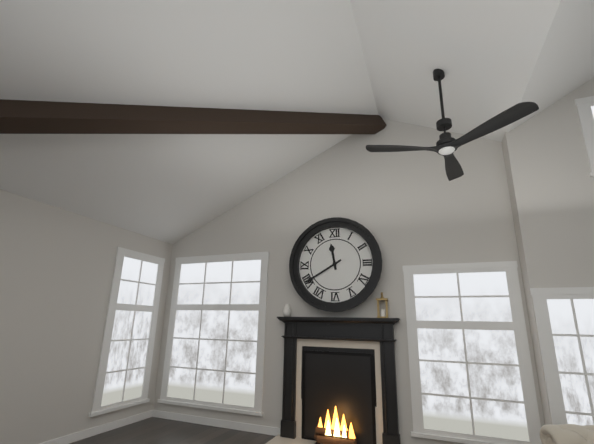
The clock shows 11.40
